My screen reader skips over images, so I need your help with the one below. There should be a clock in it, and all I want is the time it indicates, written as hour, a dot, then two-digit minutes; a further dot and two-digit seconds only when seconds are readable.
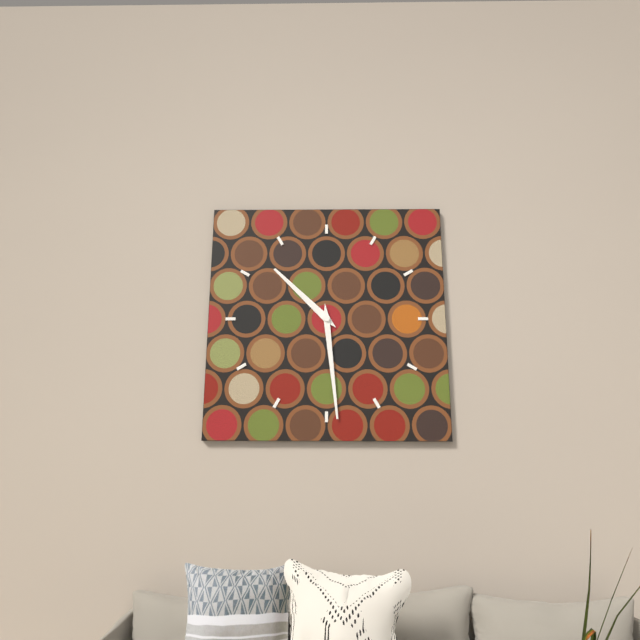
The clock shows 10.29
